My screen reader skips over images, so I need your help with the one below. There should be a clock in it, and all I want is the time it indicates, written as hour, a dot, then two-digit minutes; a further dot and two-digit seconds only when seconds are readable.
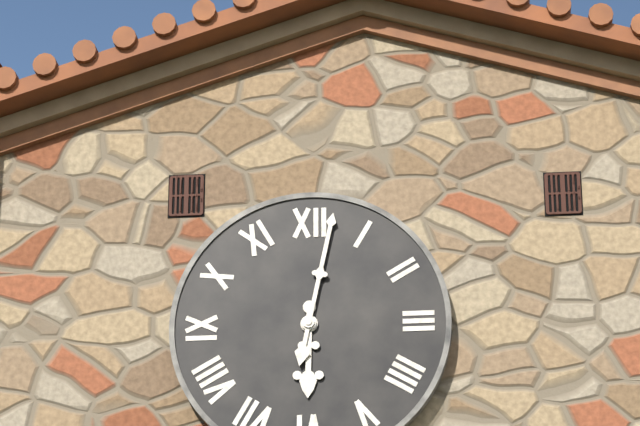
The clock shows 6.02
